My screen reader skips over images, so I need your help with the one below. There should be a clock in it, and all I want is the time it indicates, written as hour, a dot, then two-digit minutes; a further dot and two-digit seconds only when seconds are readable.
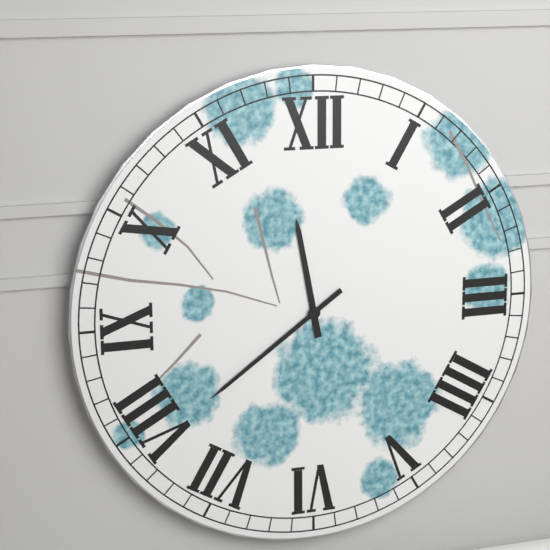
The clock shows 11.39
